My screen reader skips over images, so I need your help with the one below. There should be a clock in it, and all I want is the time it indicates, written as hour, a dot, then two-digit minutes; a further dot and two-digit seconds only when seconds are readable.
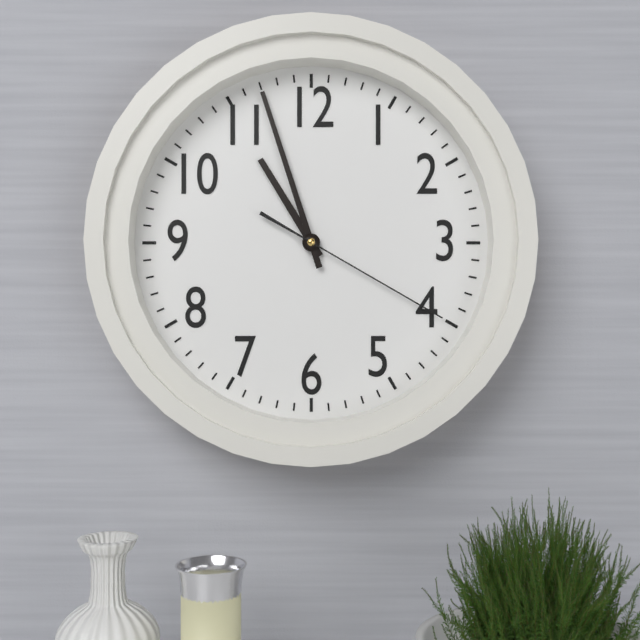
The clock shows 10.57.20
